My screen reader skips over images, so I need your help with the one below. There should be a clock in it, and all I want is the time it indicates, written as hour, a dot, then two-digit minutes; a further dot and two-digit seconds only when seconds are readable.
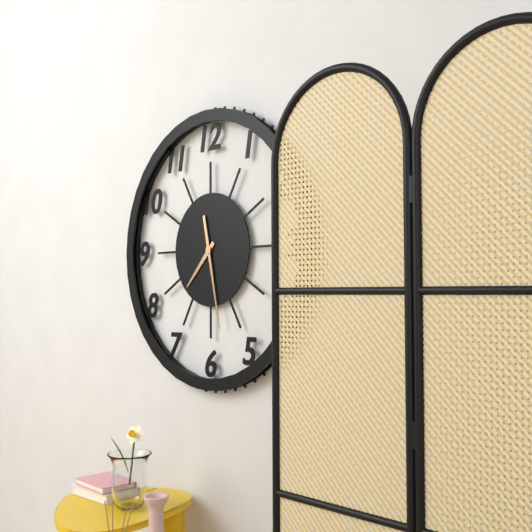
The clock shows 7.28
